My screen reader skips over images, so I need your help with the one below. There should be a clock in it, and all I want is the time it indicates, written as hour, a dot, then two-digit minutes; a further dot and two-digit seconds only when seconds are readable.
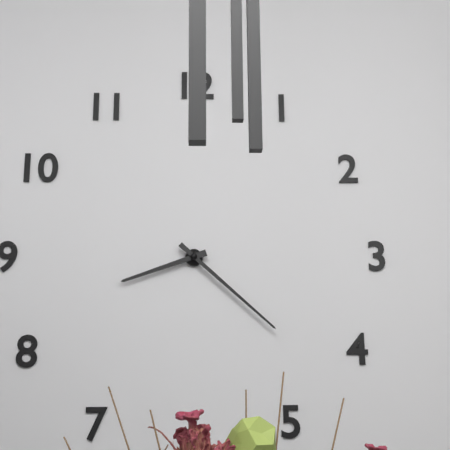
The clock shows 8.22
